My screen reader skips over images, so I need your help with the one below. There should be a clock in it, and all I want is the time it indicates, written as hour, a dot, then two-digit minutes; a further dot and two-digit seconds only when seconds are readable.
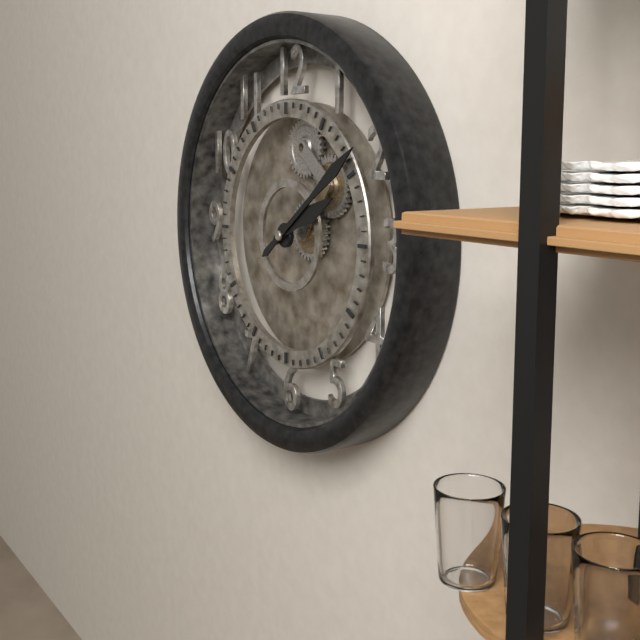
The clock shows 2.09
